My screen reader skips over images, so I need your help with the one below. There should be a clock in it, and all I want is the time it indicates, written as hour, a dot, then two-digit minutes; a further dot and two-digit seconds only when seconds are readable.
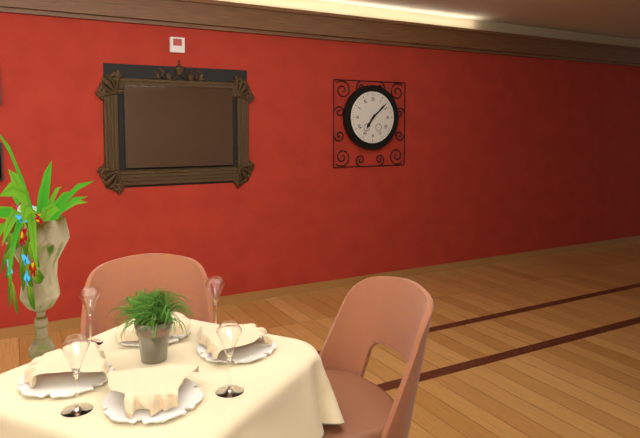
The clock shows 7.08
